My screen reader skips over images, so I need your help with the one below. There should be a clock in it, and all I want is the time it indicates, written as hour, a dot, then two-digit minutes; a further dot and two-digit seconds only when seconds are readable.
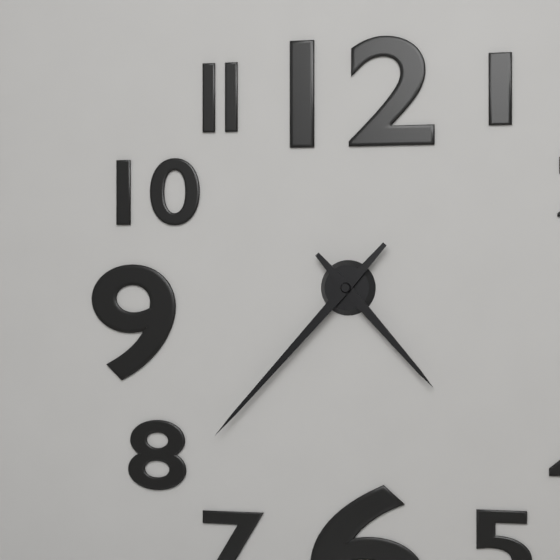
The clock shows 4.37
